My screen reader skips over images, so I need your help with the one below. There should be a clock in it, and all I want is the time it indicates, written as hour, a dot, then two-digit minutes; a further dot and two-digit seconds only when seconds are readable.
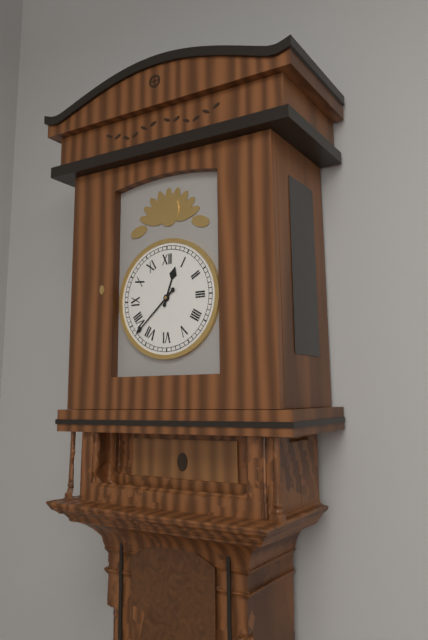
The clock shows 12.38
